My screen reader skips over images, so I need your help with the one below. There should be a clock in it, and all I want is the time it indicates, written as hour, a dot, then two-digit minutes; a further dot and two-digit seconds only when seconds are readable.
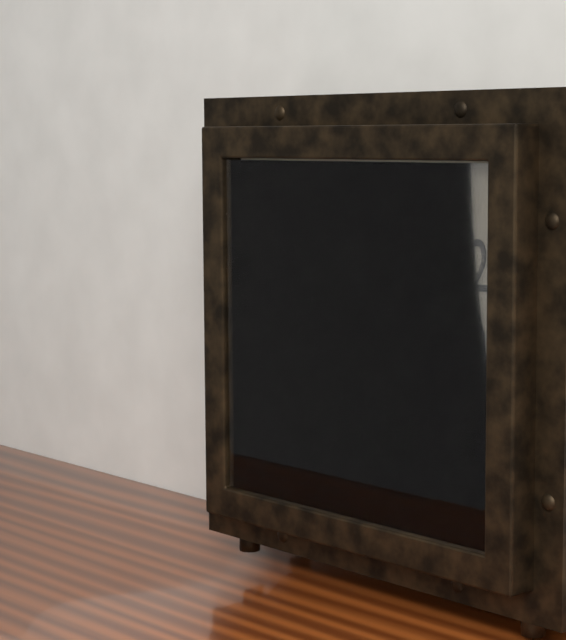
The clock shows 6.22
